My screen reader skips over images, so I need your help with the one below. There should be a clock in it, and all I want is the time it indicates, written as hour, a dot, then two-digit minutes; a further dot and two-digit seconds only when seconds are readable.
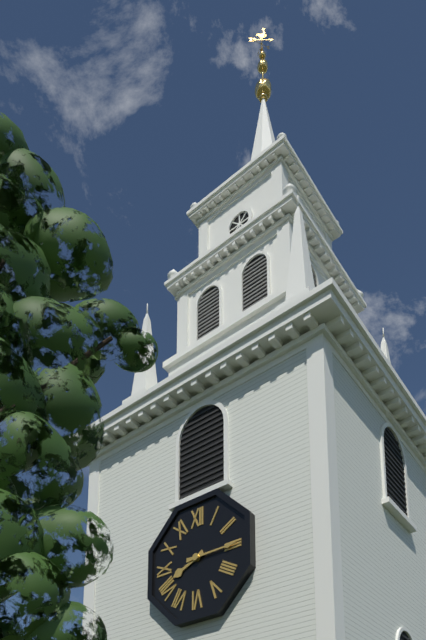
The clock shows 8.15
